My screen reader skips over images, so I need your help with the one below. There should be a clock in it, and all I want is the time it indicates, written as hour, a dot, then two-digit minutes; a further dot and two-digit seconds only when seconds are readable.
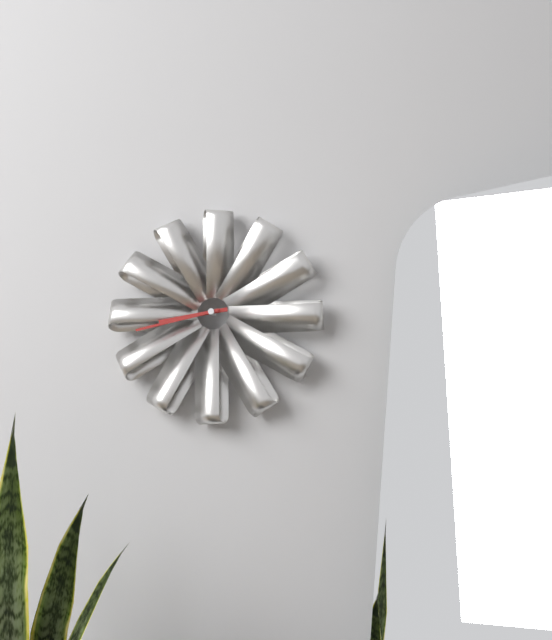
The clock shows 8.43
